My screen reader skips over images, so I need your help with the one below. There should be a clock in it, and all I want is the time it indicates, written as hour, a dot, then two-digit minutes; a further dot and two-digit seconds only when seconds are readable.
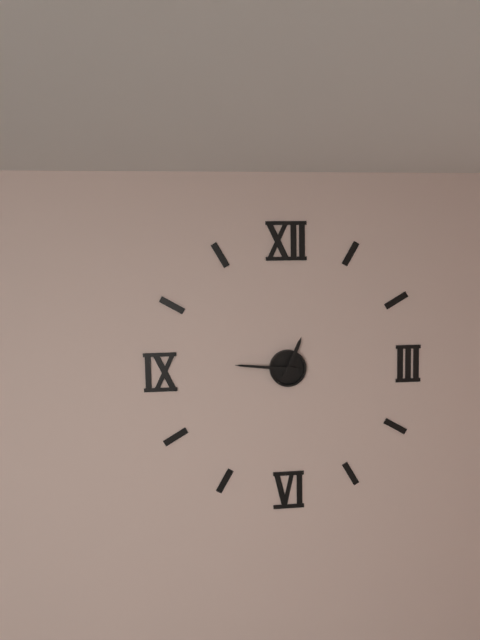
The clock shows 12.46
